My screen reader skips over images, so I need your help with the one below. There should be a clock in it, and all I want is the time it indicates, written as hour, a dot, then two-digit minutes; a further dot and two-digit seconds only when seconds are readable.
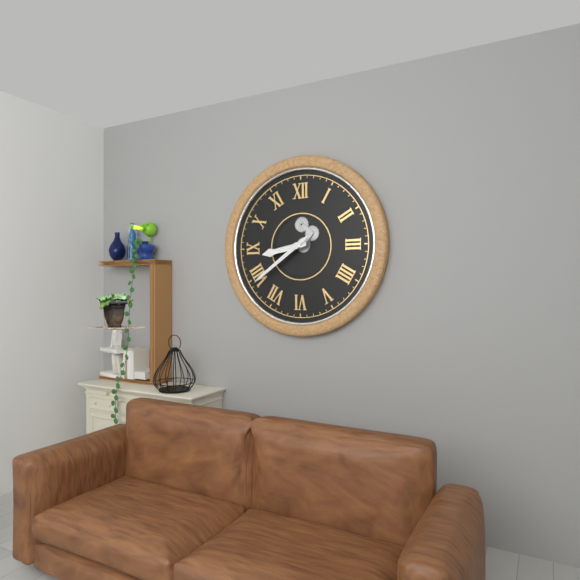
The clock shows 8.39
